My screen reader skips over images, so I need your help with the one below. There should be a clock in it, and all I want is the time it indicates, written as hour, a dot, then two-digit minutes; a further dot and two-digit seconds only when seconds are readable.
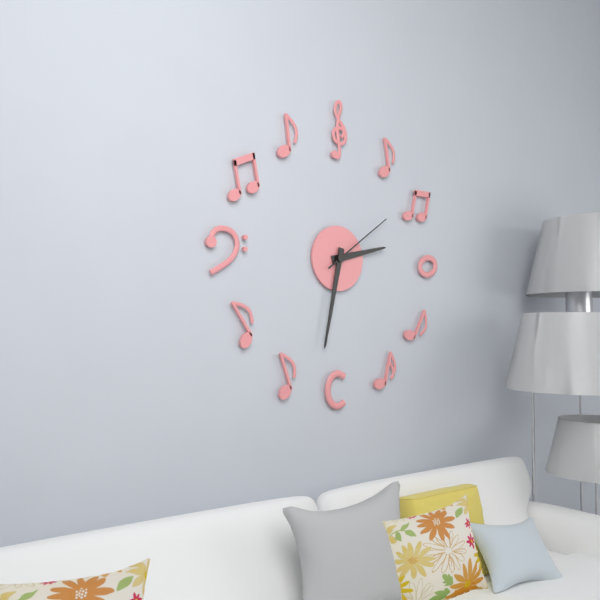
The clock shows 2.32.09
